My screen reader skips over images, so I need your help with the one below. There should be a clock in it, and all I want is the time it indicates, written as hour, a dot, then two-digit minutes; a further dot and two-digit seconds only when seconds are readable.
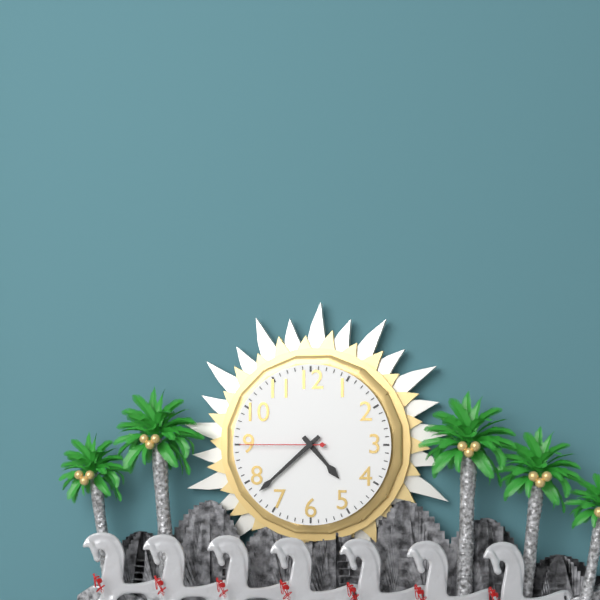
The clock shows 4.38.45
